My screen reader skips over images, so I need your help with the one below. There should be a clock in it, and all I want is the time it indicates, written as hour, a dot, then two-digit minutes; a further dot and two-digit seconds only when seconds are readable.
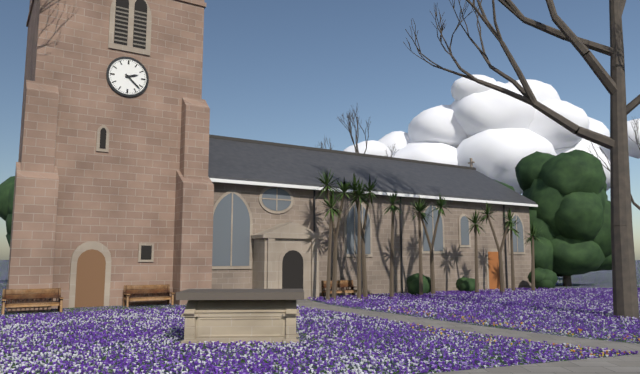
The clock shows 2.22
